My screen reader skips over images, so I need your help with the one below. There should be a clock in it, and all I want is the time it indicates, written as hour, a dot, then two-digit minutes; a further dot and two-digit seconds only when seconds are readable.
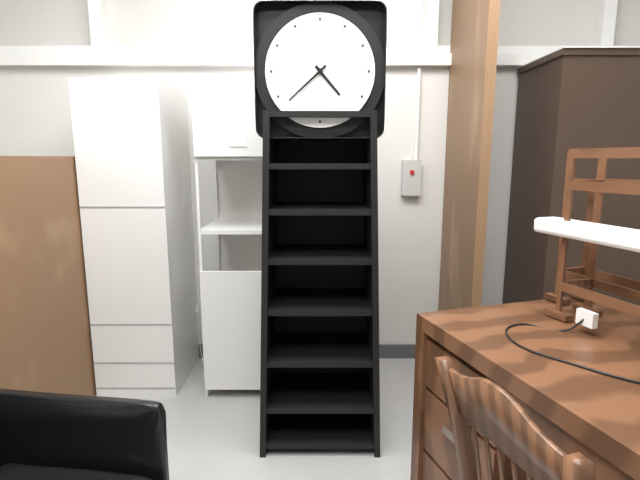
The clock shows 4.38
